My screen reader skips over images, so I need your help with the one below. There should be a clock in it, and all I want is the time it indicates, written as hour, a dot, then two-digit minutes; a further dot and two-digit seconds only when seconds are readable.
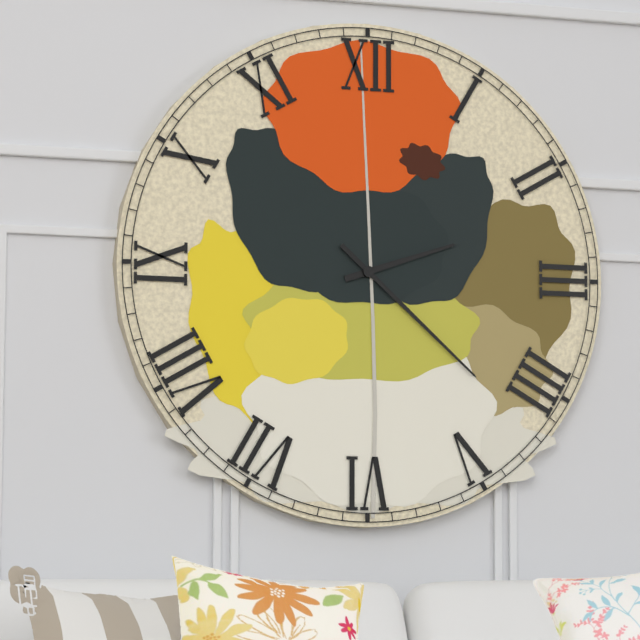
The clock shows 2.22
